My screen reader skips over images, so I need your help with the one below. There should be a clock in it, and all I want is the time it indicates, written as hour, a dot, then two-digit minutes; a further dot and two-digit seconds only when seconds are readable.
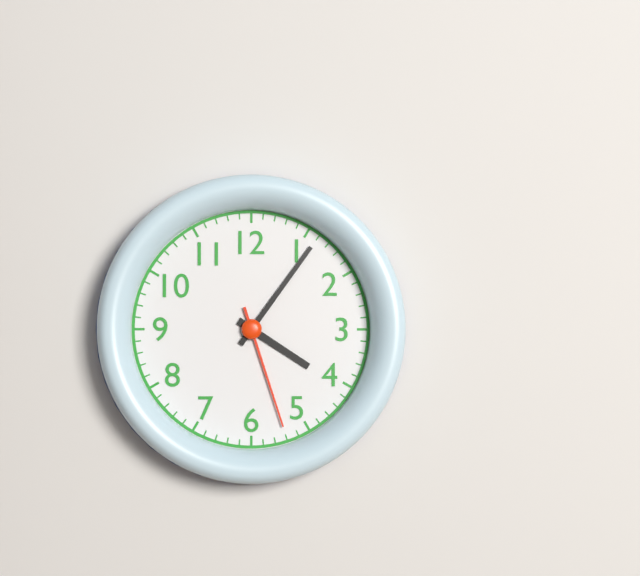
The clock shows 4.06.27
